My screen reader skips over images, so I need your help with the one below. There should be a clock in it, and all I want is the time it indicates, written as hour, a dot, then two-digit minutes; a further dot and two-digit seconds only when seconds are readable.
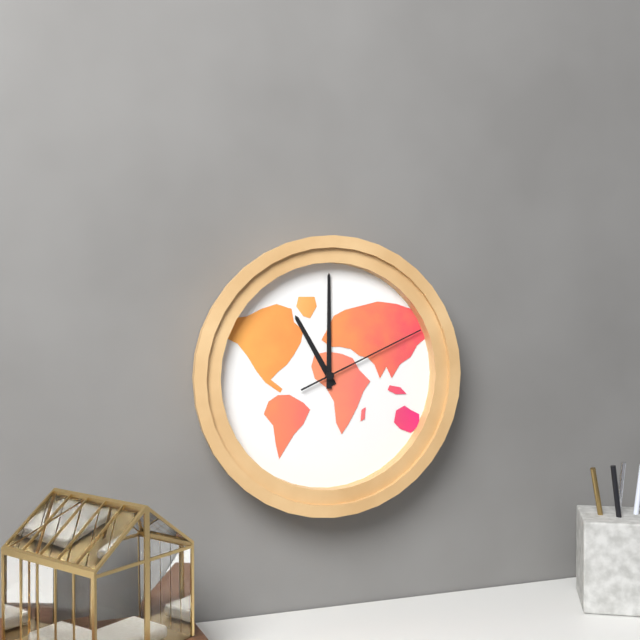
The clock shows 11.00.11
